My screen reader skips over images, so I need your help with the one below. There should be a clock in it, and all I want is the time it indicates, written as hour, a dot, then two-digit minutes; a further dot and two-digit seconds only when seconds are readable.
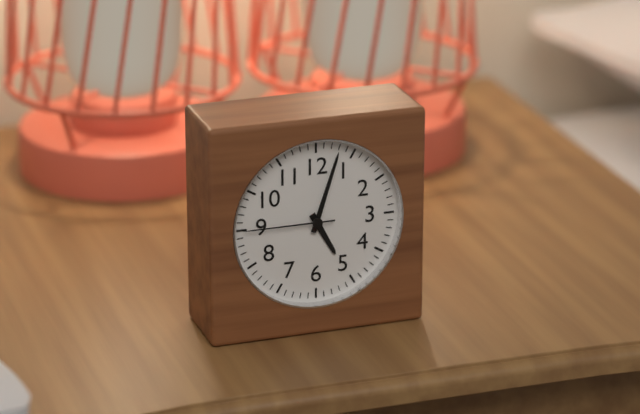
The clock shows 5.03.45
